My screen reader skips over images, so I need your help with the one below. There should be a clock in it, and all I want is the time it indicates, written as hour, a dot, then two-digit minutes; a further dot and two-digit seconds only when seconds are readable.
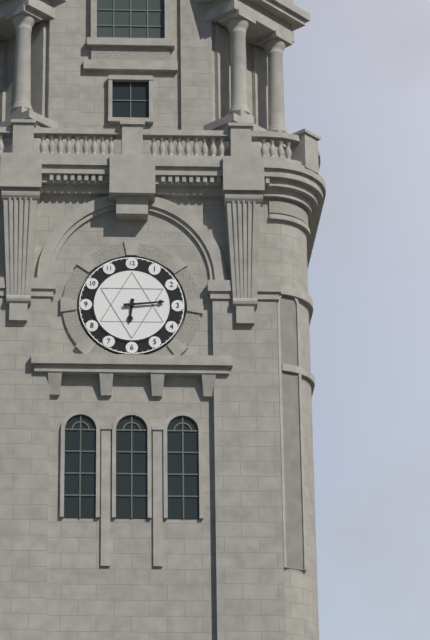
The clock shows 6.14
